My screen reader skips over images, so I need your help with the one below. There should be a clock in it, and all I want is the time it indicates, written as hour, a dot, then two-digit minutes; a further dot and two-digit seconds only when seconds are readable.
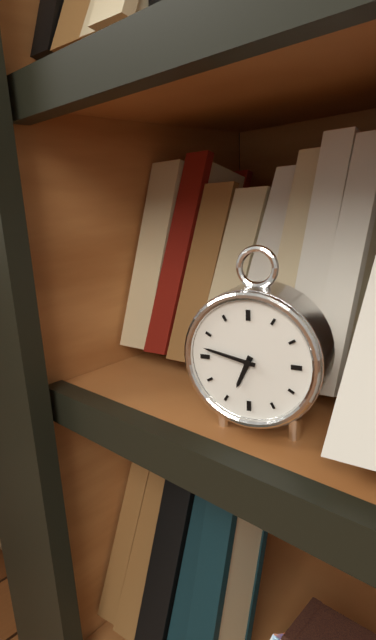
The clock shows 6.47
